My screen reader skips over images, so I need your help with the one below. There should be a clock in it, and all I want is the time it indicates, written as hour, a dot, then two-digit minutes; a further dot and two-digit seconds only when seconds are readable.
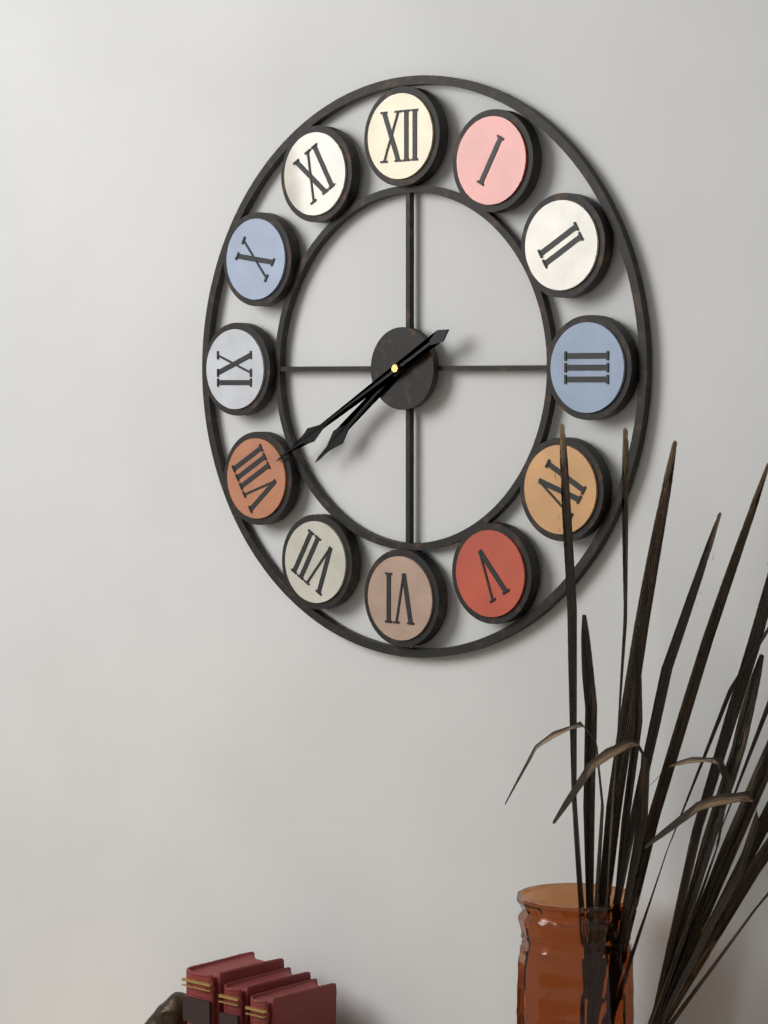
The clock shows 7.40
